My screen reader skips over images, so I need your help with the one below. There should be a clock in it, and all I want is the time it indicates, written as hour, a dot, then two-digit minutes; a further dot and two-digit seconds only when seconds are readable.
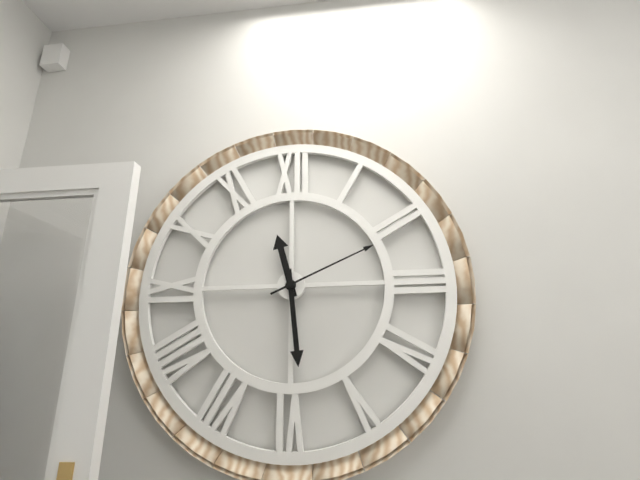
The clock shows 11.29.11
